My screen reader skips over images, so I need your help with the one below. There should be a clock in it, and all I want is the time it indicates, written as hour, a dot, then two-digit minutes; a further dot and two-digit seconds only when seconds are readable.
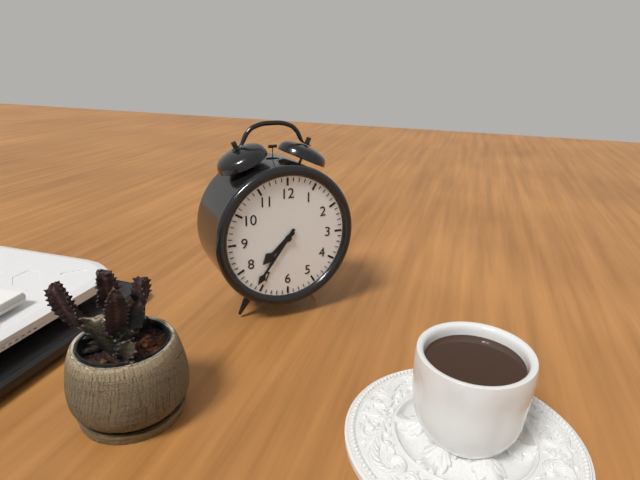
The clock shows 7.36
